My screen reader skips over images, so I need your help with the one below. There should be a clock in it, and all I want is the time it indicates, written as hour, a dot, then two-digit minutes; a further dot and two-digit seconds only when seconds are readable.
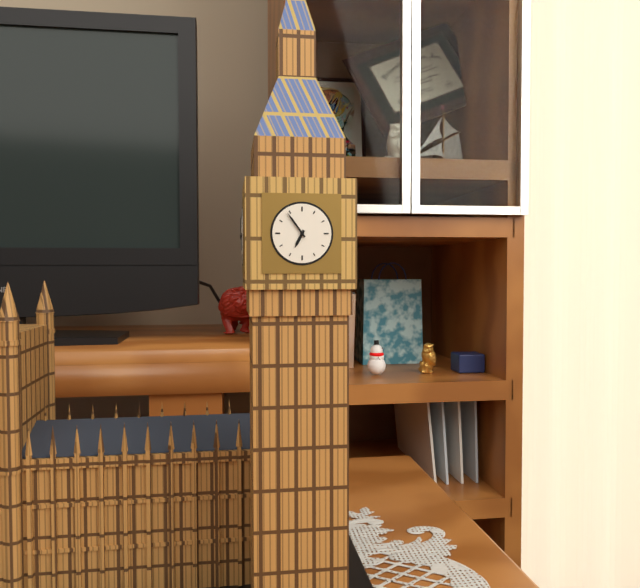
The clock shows 6.54
